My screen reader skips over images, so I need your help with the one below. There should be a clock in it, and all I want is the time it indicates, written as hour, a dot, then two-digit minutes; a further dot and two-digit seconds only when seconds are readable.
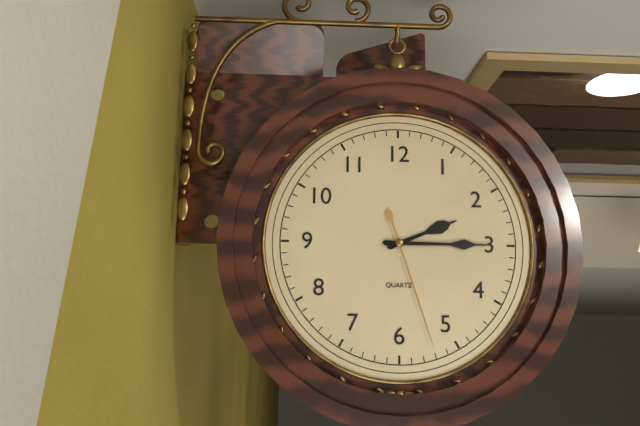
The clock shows 2.15.27
